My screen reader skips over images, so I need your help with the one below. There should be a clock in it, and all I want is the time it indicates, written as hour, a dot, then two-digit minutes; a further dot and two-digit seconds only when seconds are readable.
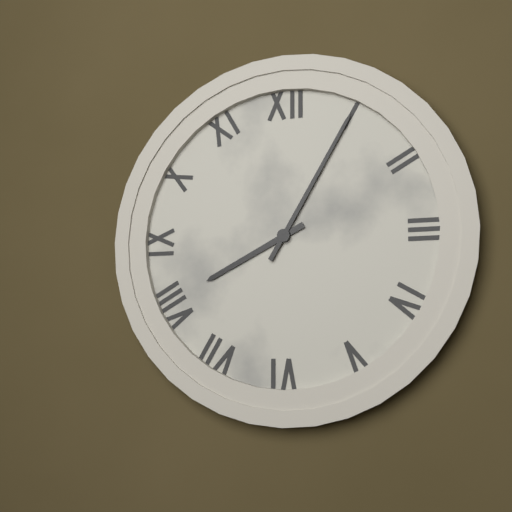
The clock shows 8.05
